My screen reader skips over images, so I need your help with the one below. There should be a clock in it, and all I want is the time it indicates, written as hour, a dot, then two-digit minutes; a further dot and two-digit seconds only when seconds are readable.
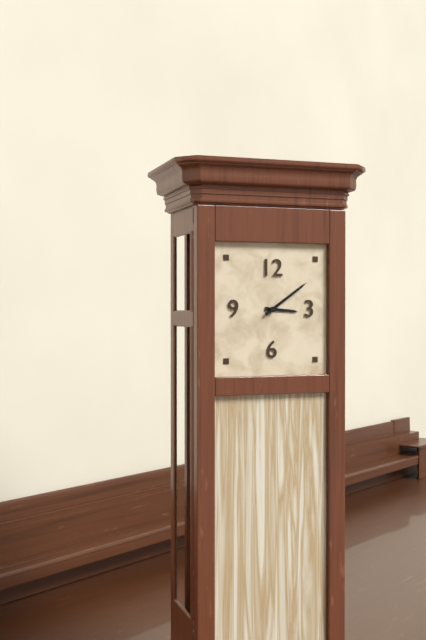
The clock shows 3.09
